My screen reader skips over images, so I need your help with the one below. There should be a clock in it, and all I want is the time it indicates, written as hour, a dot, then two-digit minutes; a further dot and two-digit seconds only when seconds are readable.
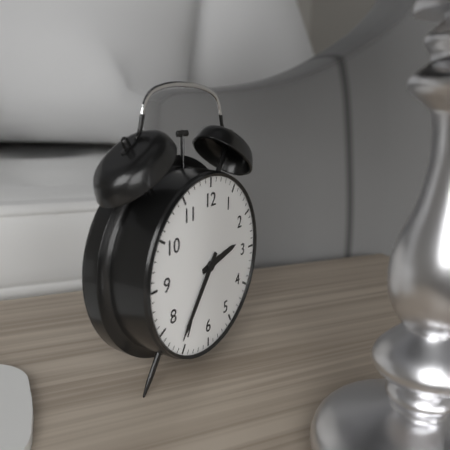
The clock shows 2.36
